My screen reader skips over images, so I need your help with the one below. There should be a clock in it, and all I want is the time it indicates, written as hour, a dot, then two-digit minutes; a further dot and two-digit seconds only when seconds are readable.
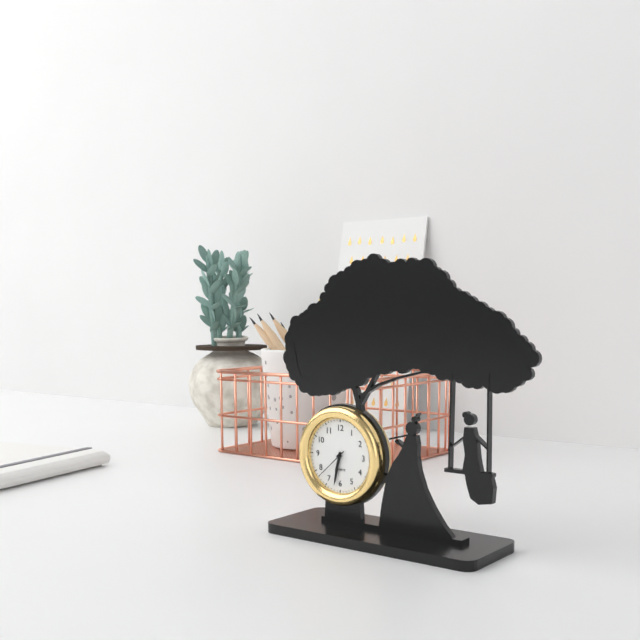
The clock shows 6.32
